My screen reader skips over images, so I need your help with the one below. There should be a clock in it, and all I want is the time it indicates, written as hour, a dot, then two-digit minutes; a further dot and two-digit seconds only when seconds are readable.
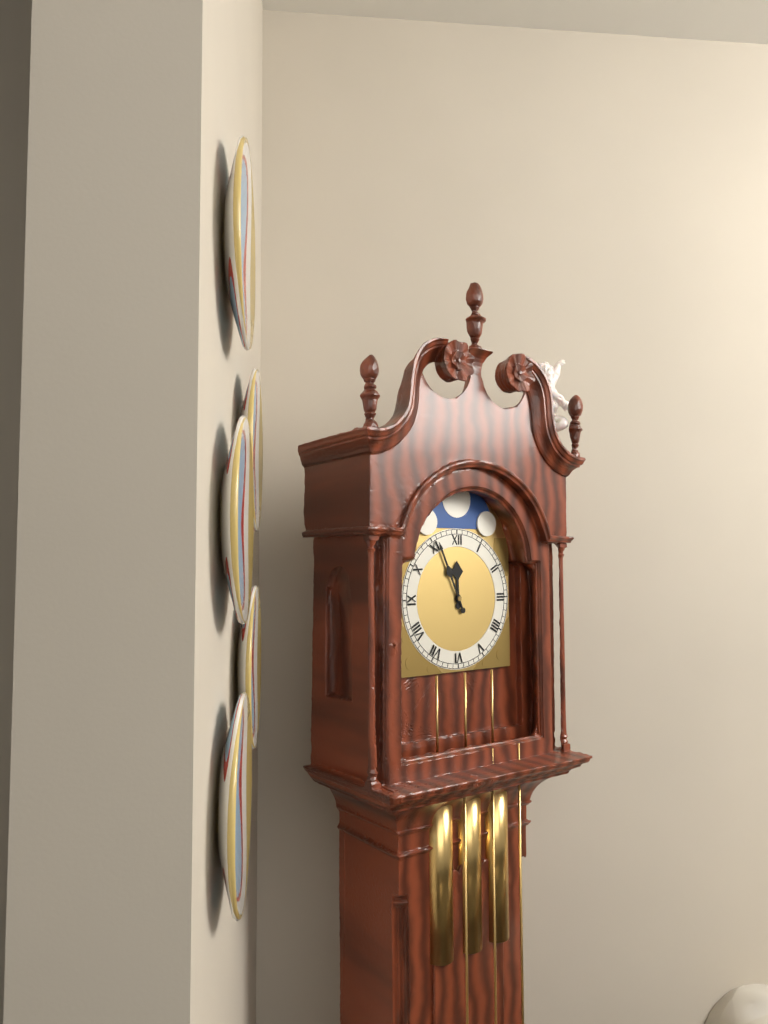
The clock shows 11.56
